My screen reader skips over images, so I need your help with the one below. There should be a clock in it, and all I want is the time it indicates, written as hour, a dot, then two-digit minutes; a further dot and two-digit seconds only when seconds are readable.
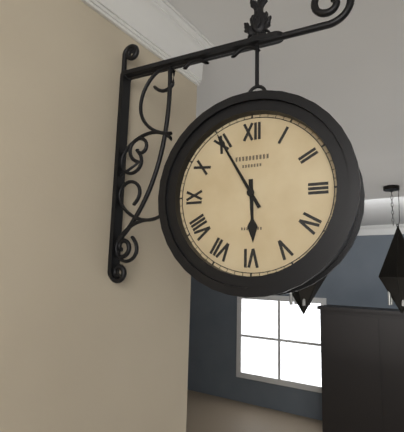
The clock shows 5.55
